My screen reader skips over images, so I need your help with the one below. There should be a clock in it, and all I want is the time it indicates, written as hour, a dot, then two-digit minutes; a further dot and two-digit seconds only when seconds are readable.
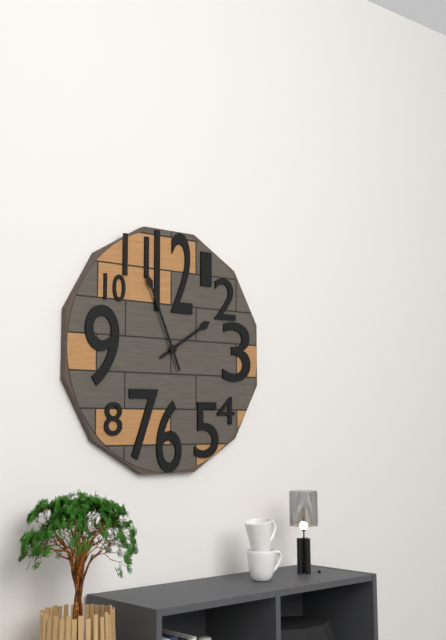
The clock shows 1.56
